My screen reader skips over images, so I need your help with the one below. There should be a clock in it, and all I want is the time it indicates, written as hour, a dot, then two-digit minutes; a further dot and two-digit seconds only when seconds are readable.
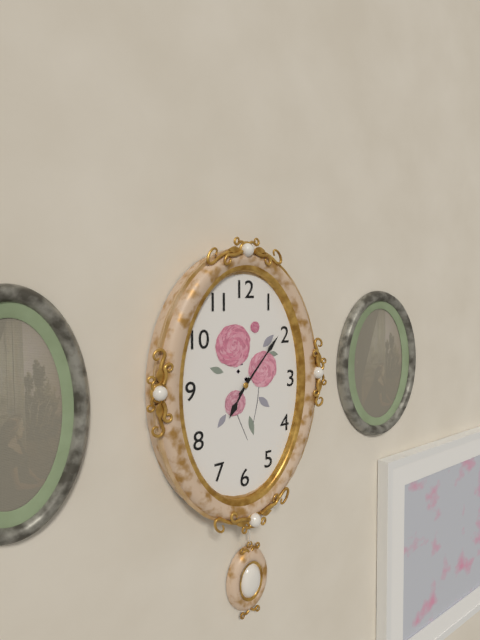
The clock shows 7.07
